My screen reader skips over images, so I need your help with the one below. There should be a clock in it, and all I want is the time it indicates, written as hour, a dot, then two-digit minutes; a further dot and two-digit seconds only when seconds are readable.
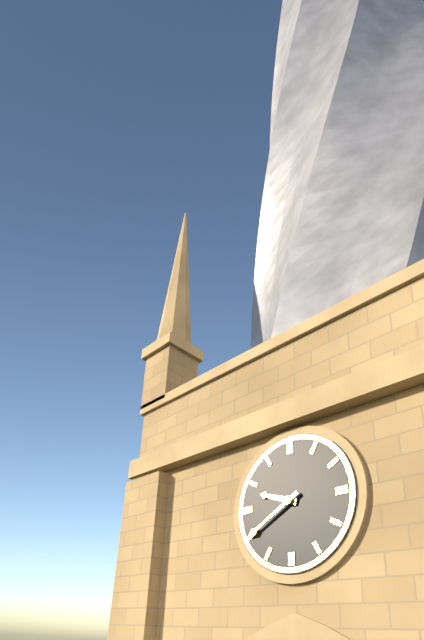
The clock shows 9.40
